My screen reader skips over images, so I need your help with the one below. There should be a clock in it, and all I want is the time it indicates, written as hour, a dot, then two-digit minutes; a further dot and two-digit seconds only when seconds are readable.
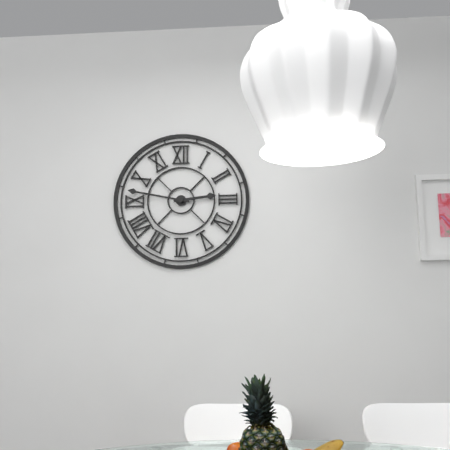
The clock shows 2.47
